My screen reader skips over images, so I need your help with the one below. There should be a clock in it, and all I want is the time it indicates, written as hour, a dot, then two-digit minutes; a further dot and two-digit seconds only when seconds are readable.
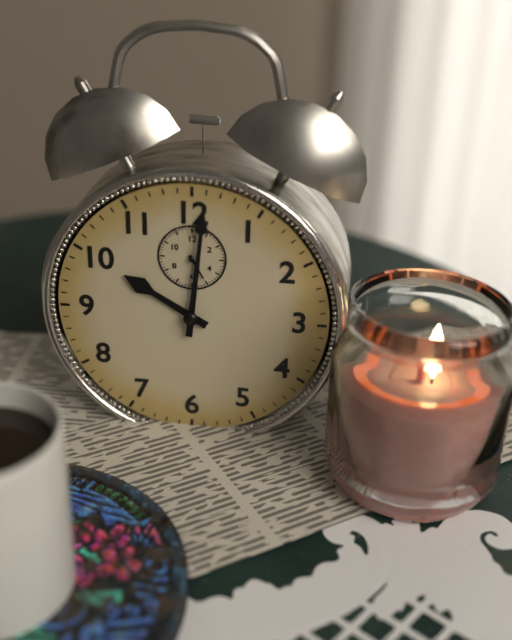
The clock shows 10.01
